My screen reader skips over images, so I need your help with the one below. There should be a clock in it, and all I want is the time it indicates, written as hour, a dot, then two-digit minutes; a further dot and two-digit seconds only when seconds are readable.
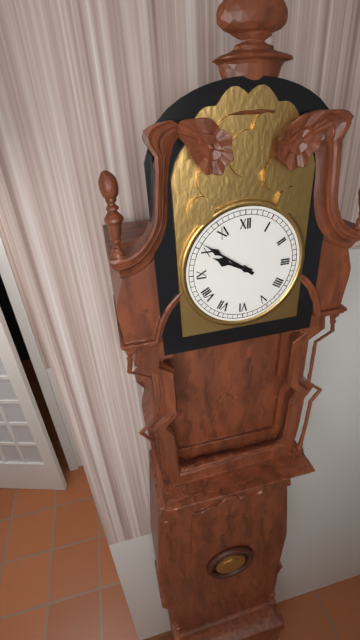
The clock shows 9.51
